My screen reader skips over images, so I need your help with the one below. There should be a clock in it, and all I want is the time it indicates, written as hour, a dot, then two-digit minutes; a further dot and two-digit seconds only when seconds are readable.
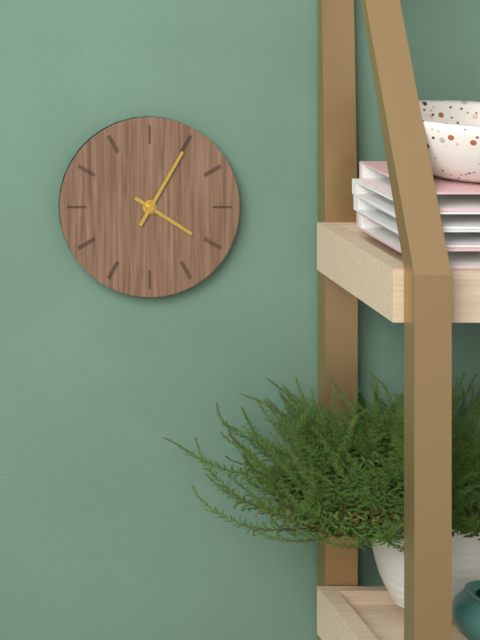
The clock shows 4.05
